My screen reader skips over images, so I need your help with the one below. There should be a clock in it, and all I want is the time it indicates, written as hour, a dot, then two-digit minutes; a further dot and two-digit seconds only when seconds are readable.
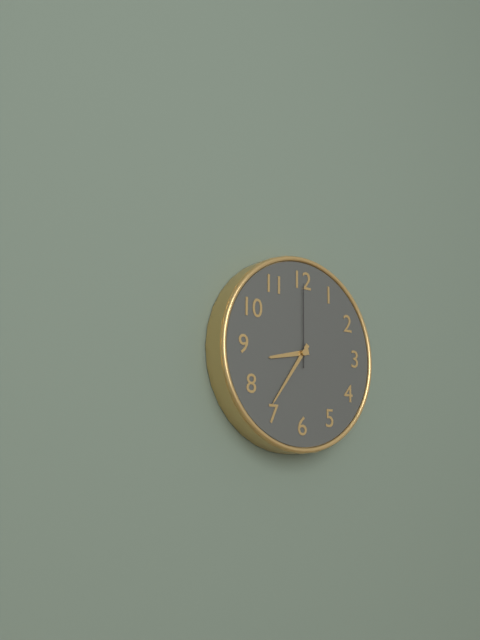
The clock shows 8.36.00
